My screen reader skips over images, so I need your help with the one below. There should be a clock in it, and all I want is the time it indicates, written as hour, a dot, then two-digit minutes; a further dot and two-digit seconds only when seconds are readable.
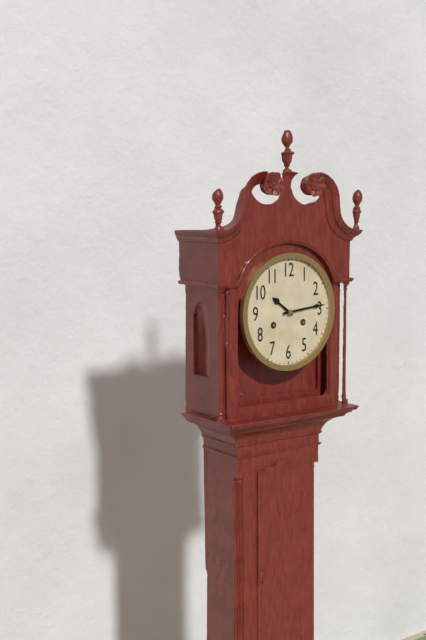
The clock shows 10.14
